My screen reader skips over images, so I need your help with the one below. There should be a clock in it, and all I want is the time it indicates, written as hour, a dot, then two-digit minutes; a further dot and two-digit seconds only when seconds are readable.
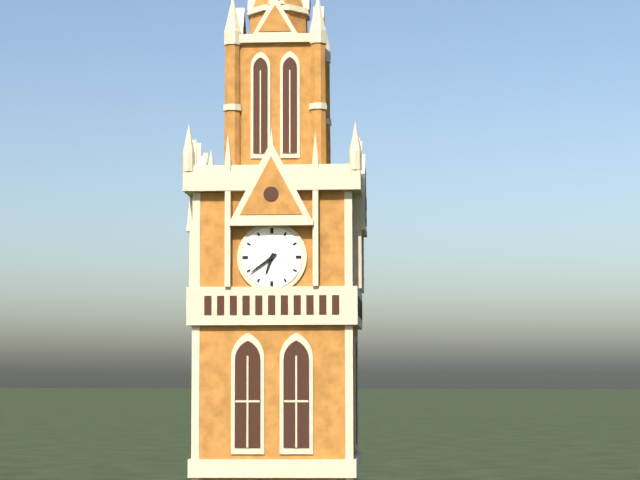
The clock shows 6.39
